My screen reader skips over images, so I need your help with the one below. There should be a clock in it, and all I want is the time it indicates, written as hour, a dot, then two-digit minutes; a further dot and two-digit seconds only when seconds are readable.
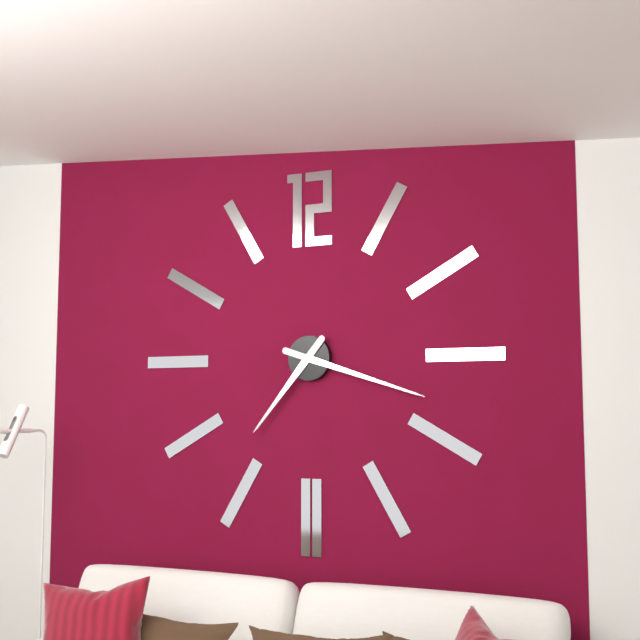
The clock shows 7.18
